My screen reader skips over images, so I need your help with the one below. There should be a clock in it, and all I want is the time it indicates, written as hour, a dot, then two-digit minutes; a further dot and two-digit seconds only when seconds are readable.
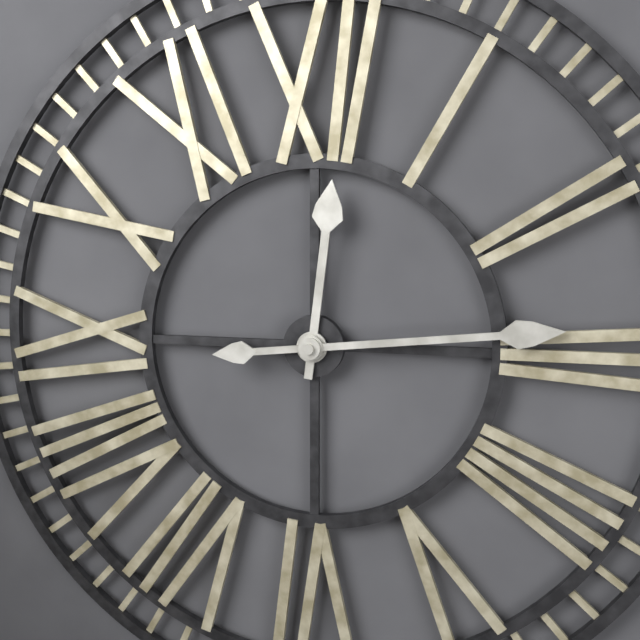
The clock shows 12.14
